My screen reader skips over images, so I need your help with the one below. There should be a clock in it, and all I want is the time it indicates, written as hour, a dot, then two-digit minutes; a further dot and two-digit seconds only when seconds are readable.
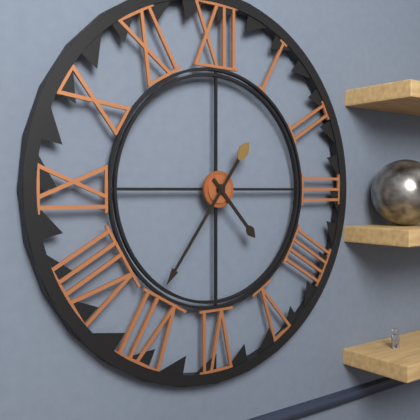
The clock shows 4.36
